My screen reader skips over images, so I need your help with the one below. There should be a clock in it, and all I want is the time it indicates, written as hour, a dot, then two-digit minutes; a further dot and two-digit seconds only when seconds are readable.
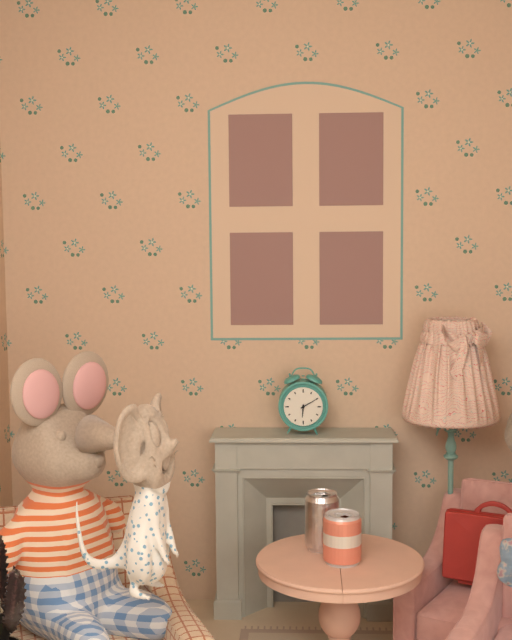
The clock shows 6.10
